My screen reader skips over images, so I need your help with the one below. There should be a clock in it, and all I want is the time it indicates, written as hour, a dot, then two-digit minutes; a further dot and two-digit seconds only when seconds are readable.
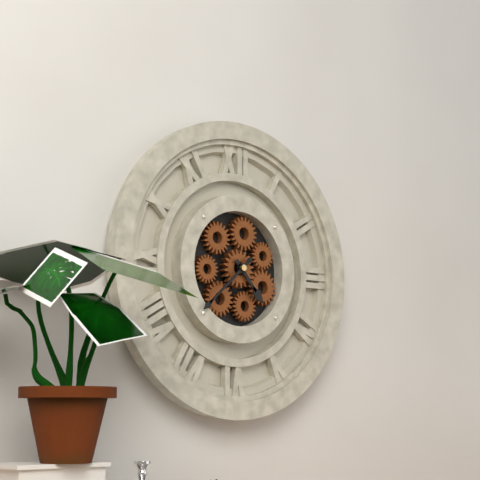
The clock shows 4.38
